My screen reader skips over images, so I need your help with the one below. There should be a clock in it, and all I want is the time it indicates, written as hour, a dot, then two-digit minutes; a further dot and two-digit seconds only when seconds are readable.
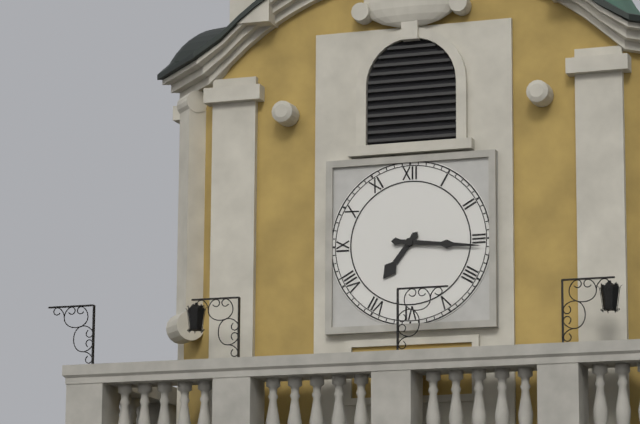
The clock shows 7.16
